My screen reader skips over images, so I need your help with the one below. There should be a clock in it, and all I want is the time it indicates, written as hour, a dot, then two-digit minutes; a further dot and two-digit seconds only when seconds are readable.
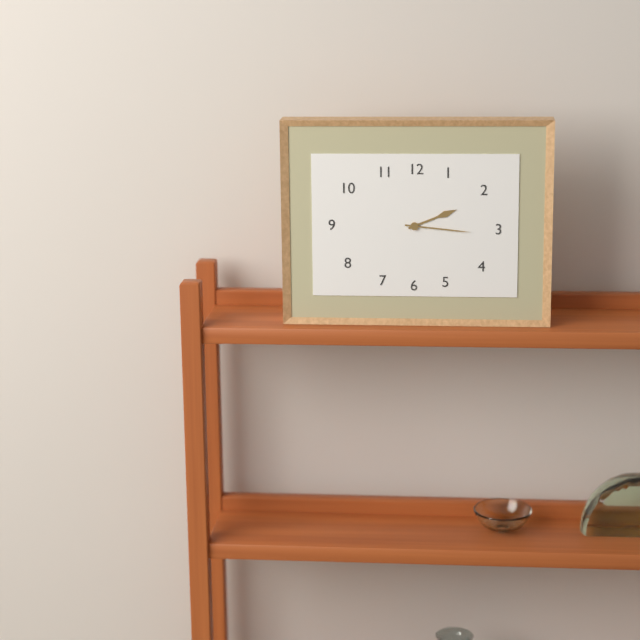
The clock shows 2.16
